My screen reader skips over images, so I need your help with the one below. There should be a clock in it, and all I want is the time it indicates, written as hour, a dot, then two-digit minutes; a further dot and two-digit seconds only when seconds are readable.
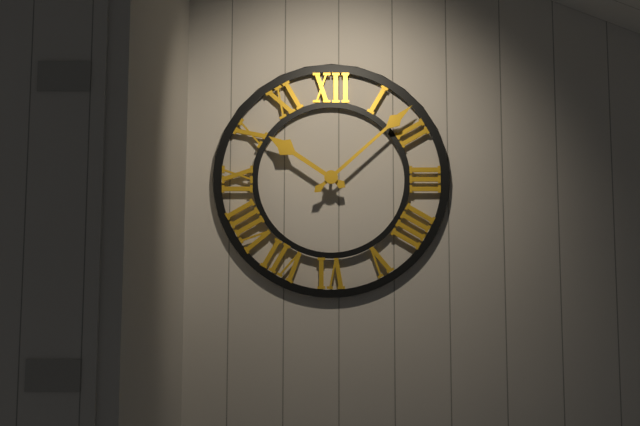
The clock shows 10.08
